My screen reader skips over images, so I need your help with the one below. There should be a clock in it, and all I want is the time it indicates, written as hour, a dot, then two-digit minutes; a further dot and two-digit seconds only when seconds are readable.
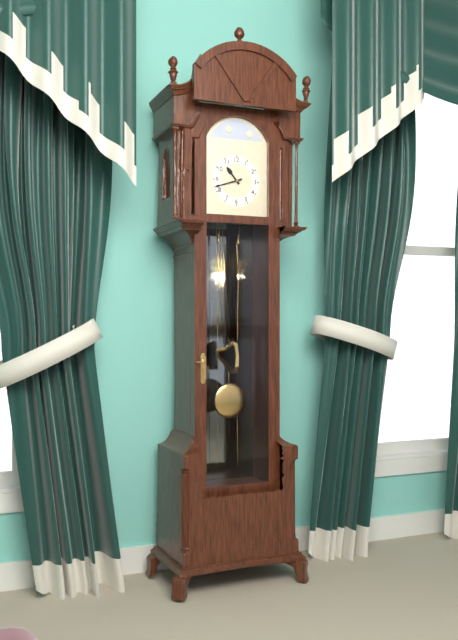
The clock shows 10.42
